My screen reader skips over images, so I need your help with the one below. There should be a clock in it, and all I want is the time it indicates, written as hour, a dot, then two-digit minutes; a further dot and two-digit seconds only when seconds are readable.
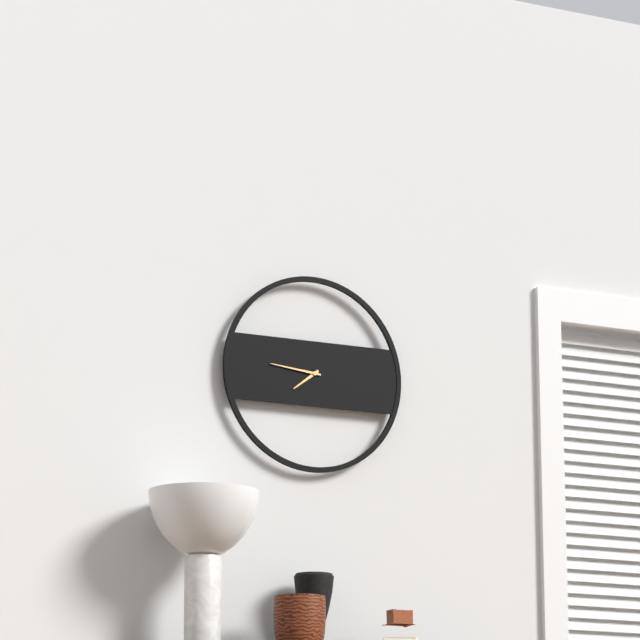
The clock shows 7.46
